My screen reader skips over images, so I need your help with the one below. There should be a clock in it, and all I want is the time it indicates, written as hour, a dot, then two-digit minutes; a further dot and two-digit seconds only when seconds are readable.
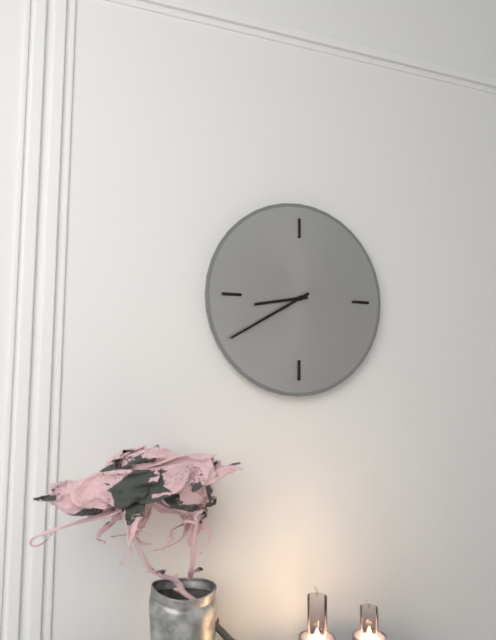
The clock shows 8.40
